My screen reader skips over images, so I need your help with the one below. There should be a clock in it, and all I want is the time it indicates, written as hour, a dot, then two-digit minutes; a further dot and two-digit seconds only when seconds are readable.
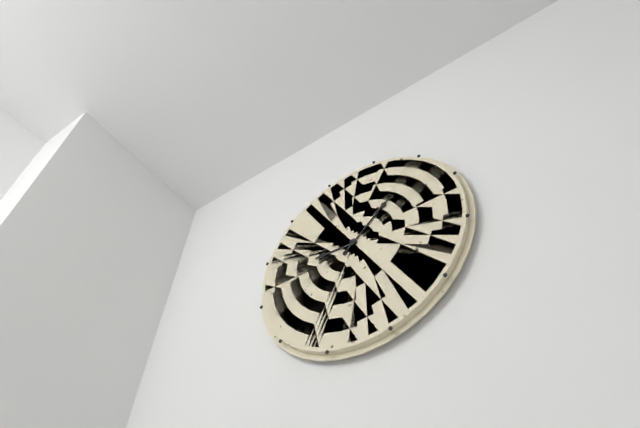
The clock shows 9.08
